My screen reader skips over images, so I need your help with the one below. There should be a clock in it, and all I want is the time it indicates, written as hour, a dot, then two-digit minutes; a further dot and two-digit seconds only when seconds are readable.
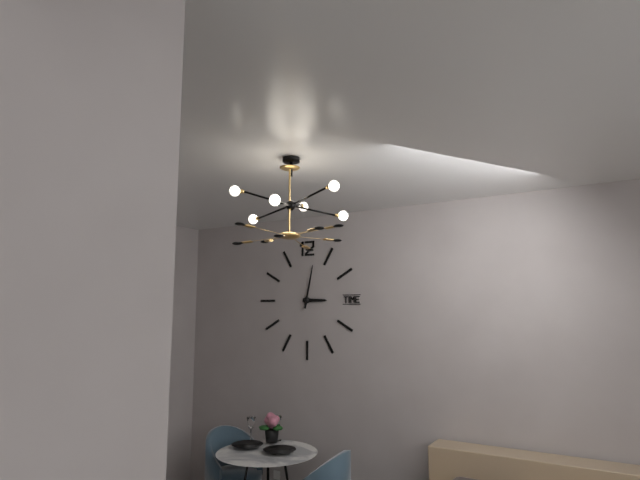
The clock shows 3.02
